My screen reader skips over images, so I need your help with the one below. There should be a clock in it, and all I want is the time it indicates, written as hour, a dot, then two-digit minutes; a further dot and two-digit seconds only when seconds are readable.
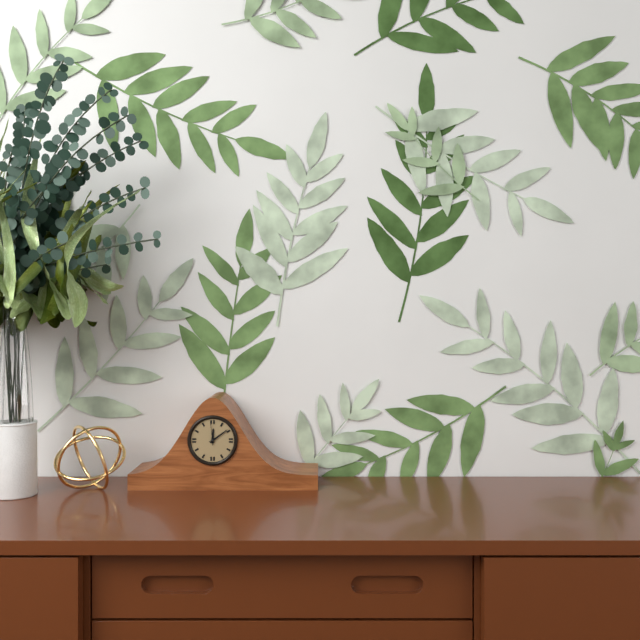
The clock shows 12.09
